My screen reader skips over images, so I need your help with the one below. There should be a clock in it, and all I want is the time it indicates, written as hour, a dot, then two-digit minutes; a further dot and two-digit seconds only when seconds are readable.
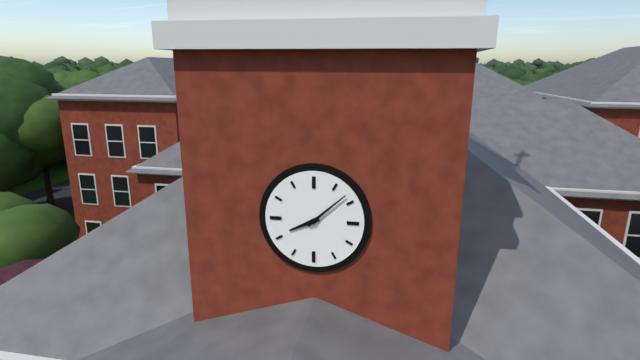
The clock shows 8.08
